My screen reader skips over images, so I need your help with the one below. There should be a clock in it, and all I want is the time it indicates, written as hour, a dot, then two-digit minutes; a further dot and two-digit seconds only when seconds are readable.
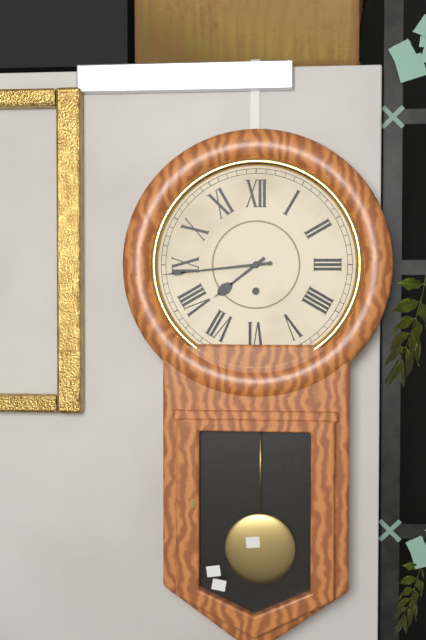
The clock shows 7.44
